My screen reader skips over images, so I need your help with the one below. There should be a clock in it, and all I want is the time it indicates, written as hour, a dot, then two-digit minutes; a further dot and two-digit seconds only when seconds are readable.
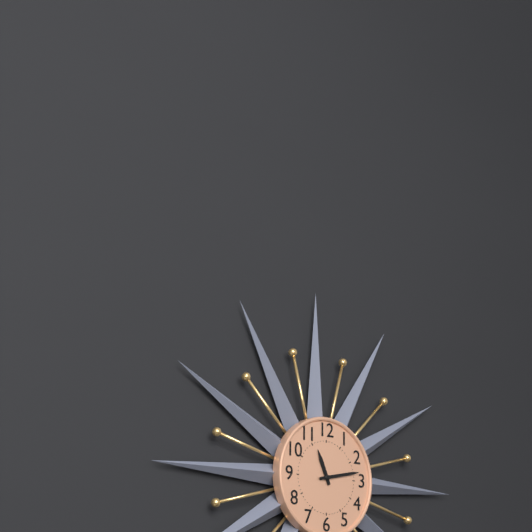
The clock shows 11.13
